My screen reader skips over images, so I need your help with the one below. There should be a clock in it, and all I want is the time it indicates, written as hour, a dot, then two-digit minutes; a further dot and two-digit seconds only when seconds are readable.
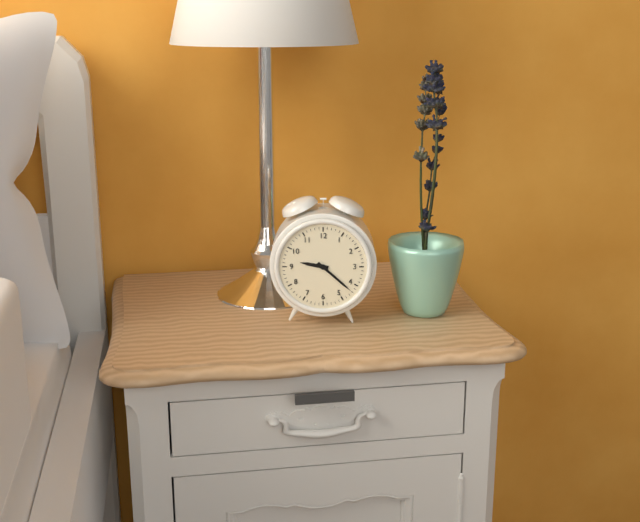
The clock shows 9.22
